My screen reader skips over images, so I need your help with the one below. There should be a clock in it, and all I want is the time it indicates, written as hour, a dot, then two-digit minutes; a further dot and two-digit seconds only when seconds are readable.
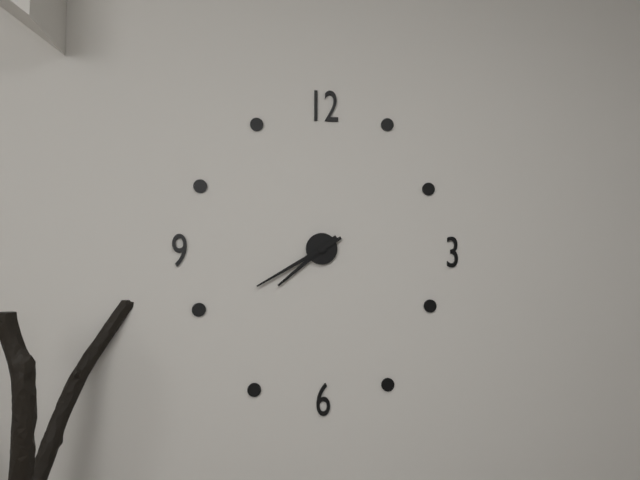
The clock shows 7.40
